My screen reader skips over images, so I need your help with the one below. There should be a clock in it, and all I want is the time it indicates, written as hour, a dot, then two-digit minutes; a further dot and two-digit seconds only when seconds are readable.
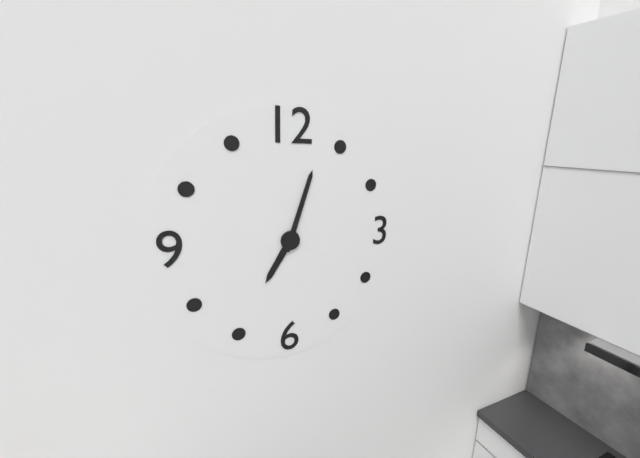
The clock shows 7.03
